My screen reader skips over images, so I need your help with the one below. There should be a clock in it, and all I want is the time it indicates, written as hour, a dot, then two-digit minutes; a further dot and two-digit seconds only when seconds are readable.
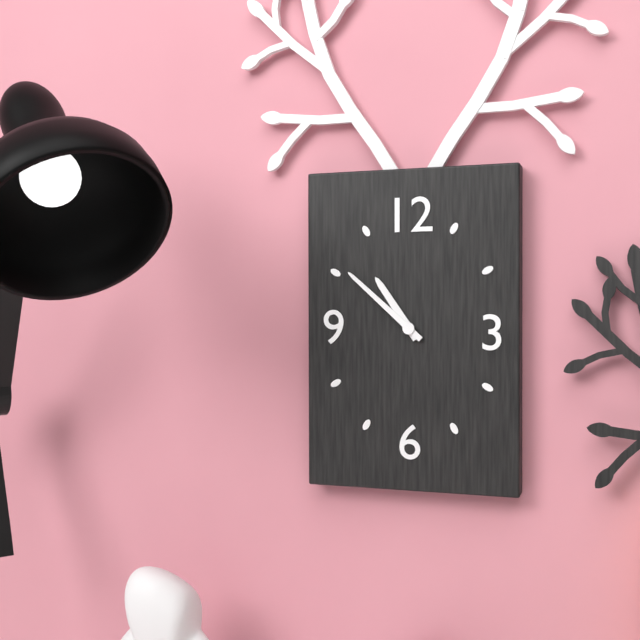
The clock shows 10.52
